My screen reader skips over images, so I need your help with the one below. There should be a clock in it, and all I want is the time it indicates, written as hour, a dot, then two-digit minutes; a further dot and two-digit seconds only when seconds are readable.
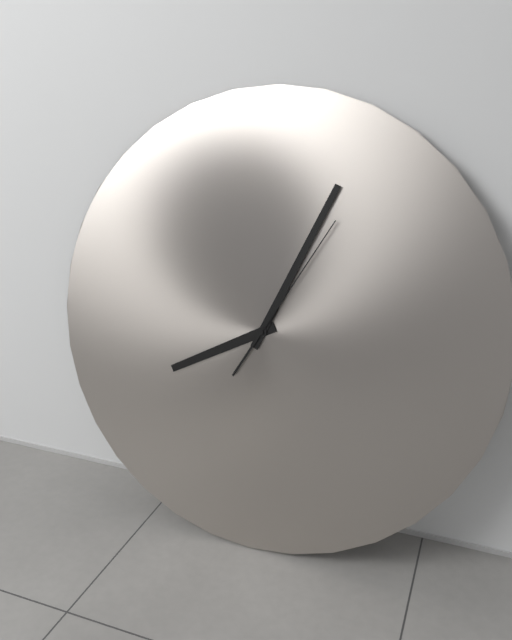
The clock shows 8.04.05
